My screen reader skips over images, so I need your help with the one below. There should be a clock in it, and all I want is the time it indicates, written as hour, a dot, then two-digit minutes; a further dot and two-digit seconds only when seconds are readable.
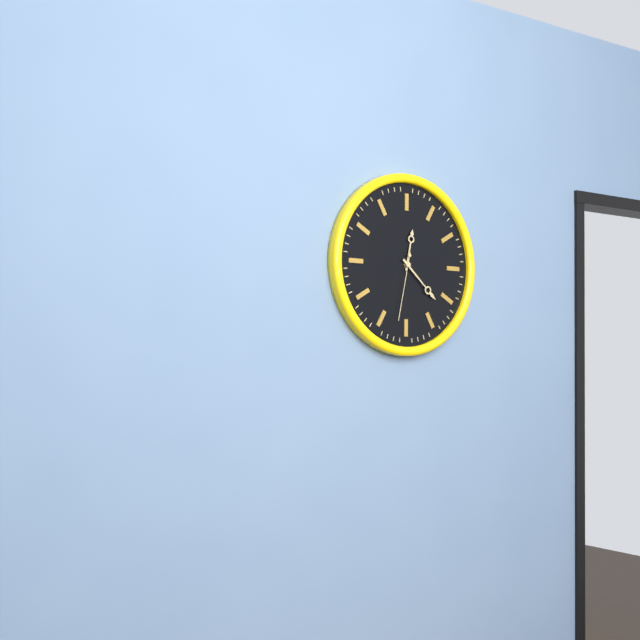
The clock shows 12.22.32
